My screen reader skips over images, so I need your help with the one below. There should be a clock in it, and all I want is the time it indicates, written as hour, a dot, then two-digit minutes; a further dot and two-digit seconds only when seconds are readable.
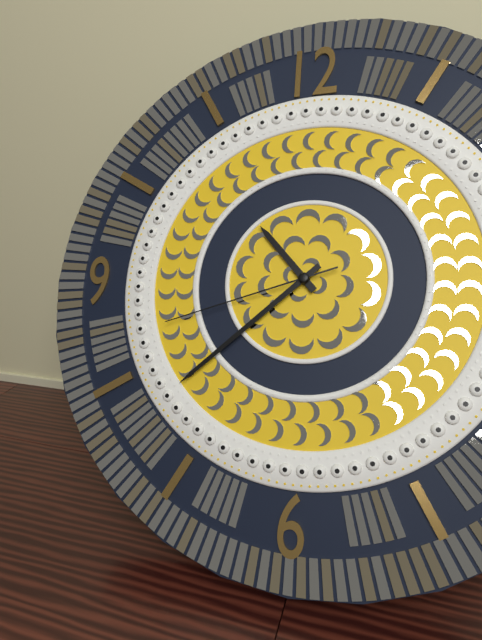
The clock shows 10.38.42
